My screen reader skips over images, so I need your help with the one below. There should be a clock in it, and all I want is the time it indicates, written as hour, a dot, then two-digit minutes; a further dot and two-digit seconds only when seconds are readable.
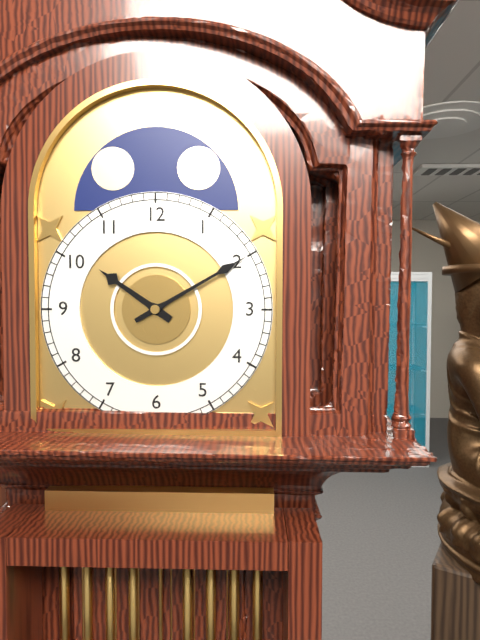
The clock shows 10.10
